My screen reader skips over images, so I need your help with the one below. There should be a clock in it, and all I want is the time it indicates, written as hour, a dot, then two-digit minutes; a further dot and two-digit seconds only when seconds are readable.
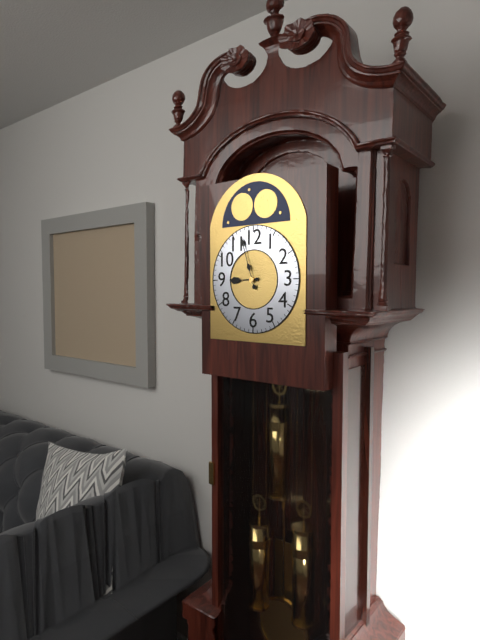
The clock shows 8.57
